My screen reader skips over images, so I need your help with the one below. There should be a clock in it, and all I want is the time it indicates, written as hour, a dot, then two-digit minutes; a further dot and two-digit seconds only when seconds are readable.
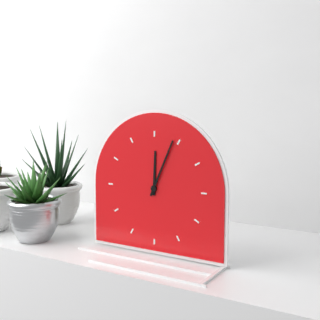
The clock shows 12.04
